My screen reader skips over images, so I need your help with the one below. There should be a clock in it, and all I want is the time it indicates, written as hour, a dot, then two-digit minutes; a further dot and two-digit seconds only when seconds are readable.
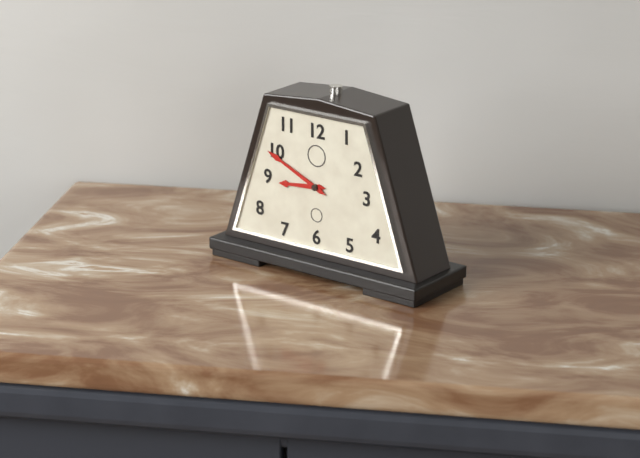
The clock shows 8.49
